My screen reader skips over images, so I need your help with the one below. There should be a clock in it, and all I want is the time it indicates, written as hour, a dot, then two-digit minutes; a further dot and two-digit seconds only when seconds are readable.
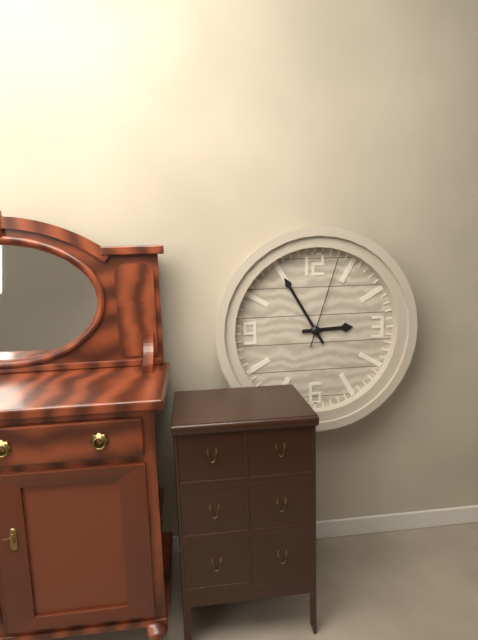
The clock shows 2.55.03
